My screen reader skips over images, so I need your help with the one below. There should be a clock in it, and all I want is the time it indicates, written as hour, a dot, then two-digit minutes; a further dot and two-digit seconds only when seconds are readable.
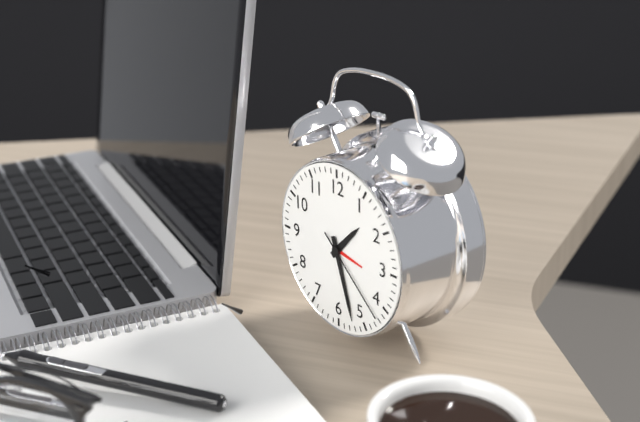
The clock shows 1.27.22
